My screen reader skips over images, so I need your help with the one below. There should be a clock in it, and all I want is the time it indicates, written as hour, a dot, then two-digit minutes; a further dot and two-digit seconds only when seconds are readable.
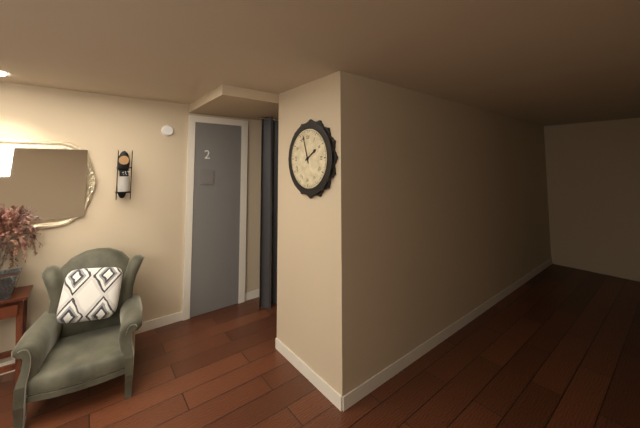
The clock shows 1.57
